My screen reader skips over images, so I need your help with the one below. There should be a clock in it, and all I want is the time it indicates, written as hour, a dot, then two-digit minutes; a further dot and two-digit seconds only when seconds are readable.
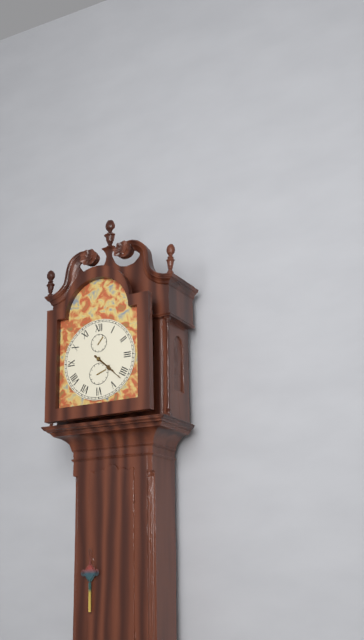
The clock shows 4.22
